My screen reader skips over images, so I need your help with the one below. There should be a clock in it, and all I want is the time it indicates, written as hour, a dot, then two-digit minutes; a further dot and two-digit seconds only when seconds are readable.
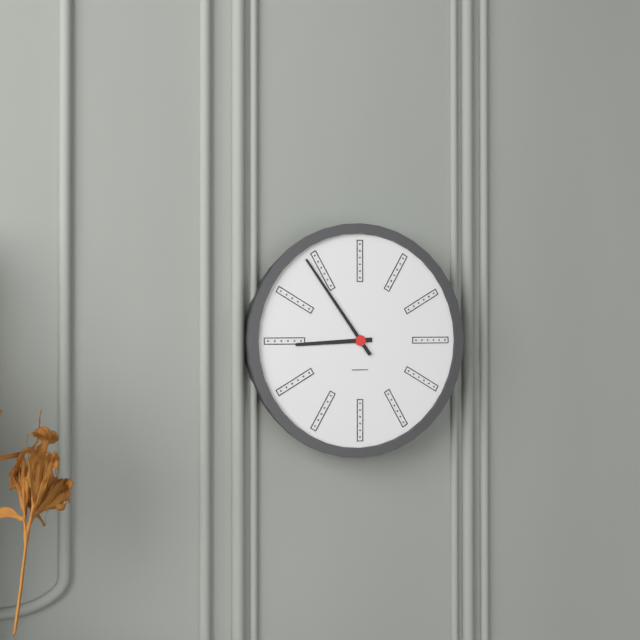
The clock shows 8.54
